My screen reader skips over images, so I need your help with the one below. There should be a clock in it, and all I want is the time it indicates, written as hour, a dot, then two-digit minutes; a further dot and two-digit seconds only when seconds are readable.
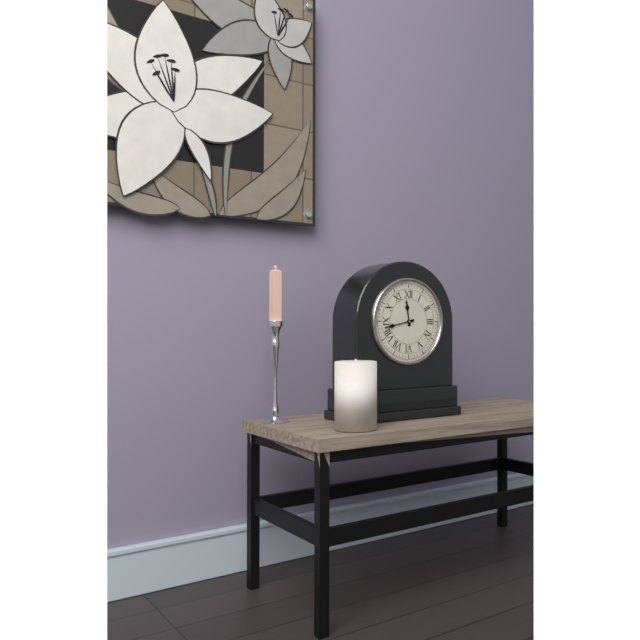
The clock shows 11.43
